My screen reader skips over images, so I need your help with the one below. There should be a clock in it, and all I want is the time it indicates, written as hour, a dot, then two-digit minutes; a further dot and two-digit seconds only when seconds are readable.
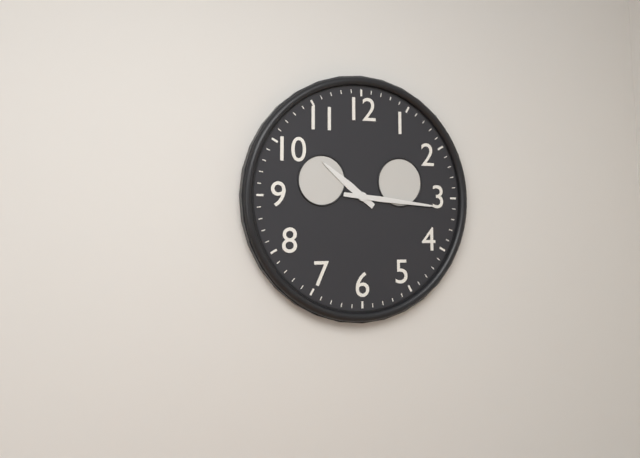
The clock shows 10.16
